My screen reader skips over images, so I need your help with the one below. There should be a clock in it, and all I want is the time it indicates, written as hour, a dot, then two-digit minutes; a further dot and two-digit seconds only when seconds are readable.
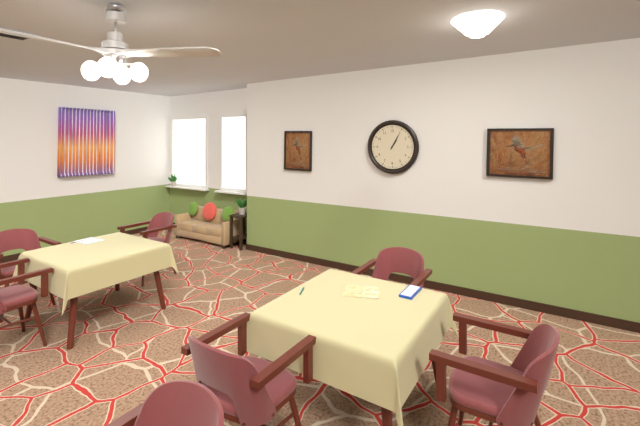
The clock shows 1.05
